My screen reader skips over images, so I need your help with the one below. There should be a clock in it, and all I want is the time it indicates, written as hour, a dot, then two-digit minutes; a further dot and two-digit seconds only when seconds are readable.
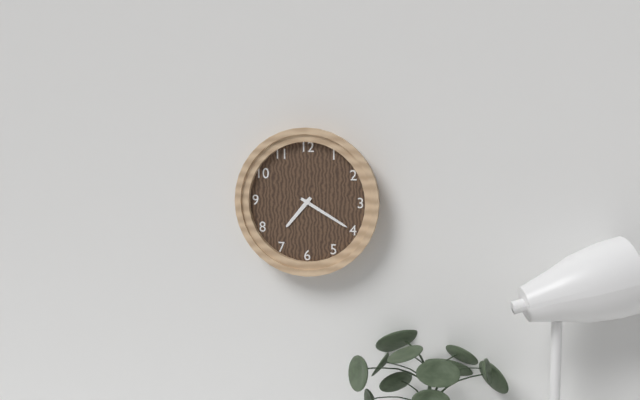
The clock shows 7.20
